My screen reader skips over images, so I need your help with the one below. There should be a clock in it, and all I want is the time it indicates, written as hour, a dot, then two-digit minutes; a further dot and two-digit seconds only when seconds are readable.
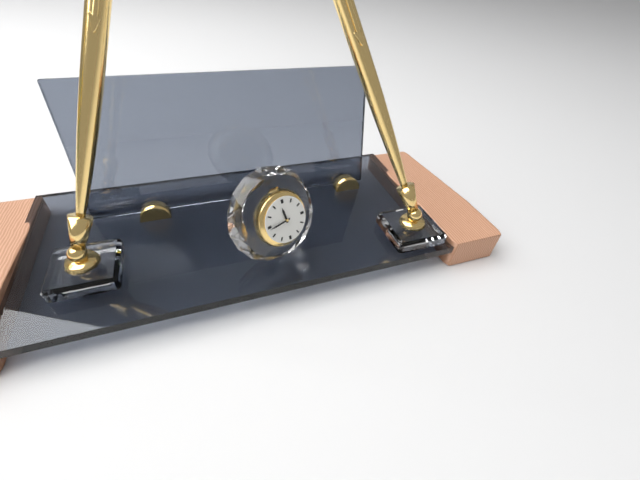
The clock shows 11.44
